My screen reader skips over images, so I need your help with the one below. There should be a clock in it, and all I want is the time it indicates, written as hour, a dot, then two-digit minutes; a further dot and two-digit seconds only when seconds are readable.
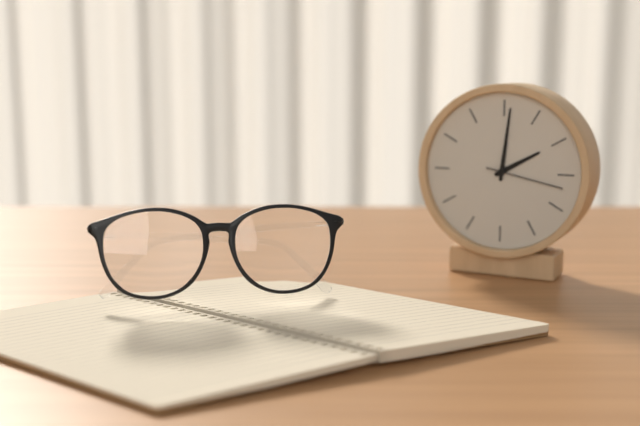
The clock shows 2.01.17
